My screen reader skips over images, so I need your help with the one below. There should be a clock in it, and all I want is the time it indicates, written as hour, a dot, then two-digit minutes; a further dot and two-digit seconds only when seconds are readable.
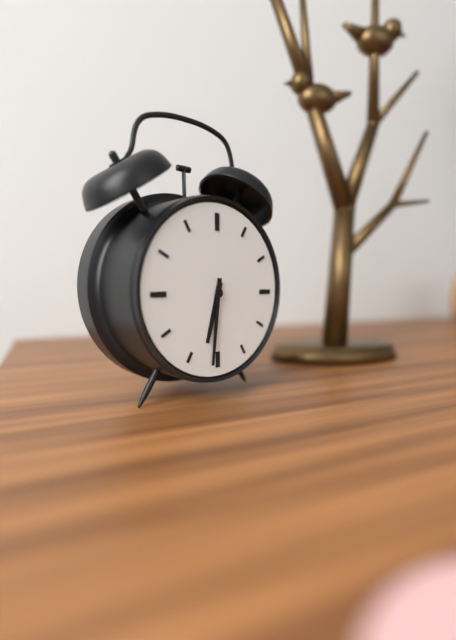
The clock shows 6.31
